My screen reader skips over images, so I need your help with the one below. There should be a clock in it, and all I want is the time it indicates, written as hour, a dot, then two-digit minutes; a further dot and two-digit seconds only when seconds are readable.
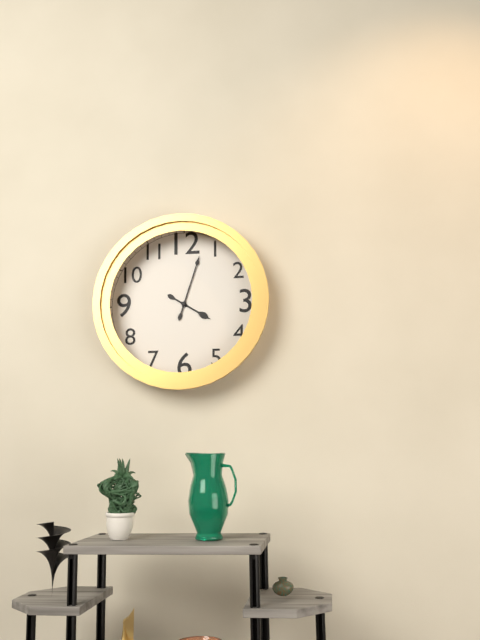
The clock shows 4.03
